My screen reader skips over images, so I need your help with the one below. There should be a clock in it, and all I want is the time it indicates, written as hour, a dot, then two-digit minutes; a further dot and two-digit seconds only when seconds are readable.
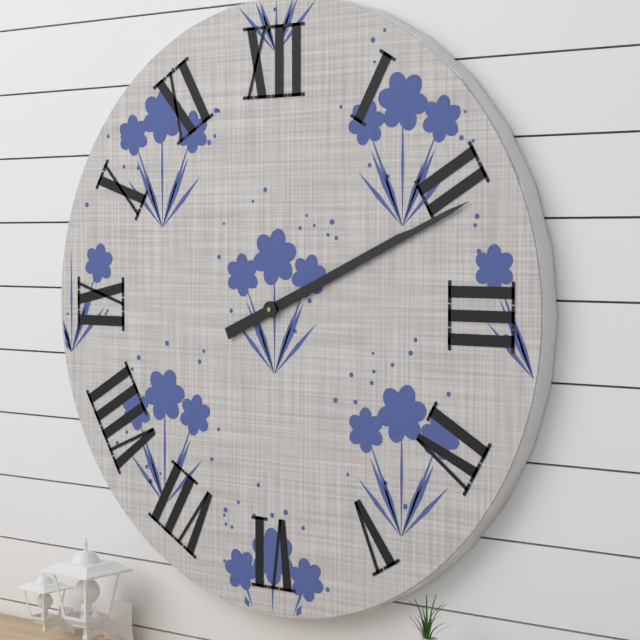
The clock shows 2.11
